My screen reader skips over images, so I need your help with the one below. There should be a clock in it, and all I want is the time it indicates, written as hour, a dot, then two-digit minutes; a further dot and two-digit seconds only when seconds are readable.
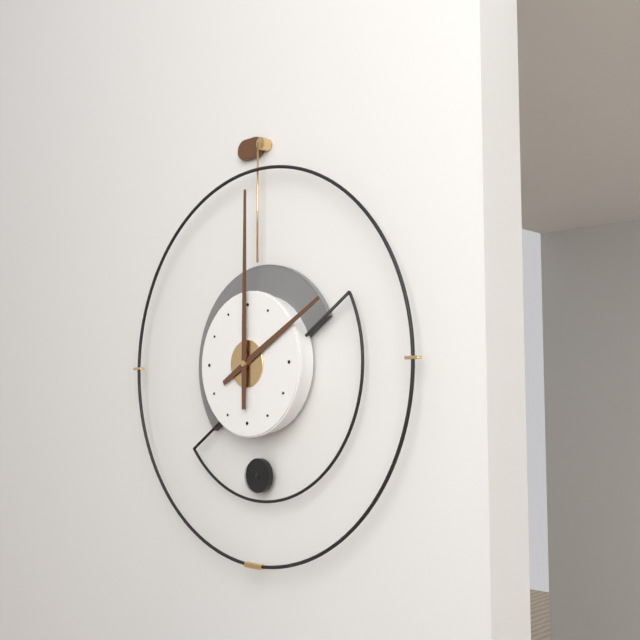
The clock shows 2.00
